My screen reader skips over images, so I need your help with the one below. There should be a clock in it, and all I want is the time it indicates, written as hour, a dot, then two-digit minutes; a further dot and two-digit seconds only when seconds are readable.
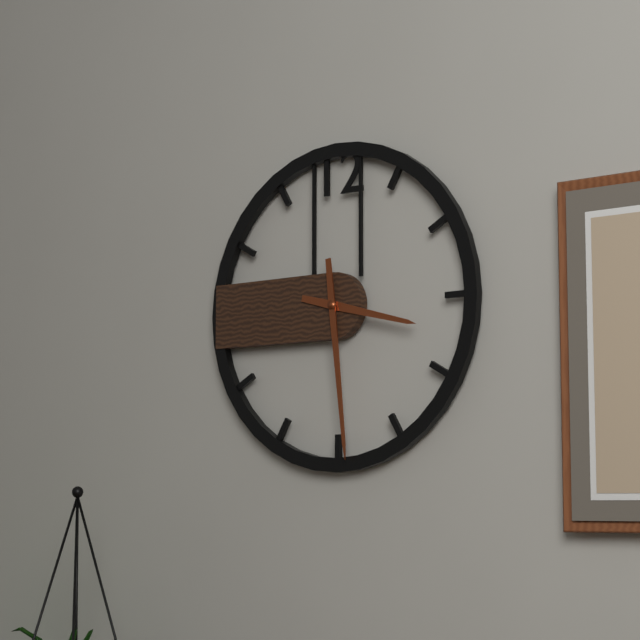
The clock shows 3.29
